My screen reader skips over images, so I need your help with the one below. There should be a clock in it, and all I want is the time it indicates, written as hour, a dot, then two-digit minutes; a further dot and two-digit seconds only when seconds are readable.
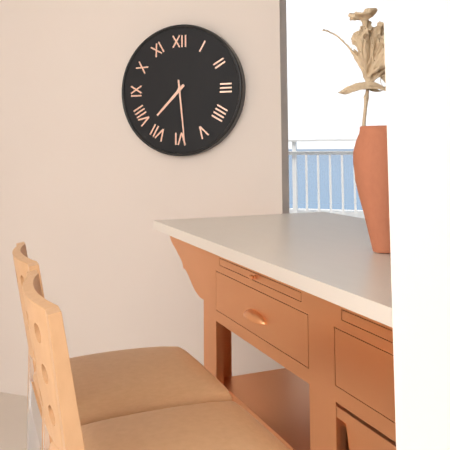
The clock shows 7.29
